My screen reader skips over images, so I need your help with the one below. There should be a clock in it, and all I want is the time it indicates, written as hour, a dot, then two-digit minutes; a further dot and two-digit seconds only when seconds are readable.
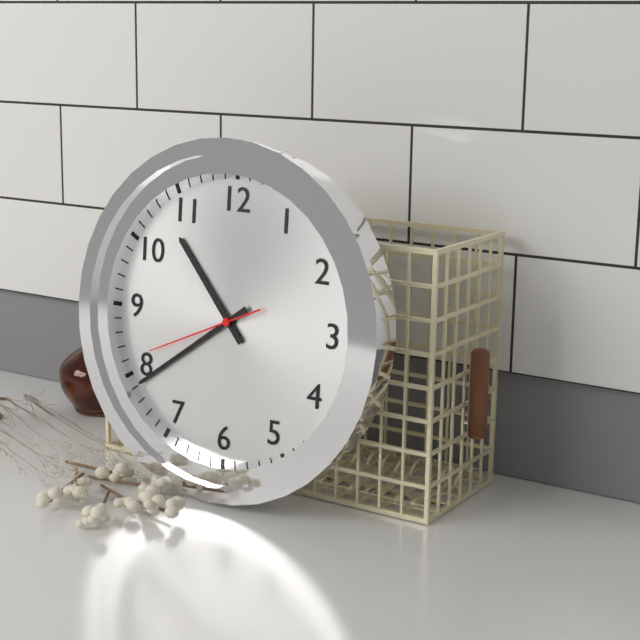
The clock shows 10.39.41
